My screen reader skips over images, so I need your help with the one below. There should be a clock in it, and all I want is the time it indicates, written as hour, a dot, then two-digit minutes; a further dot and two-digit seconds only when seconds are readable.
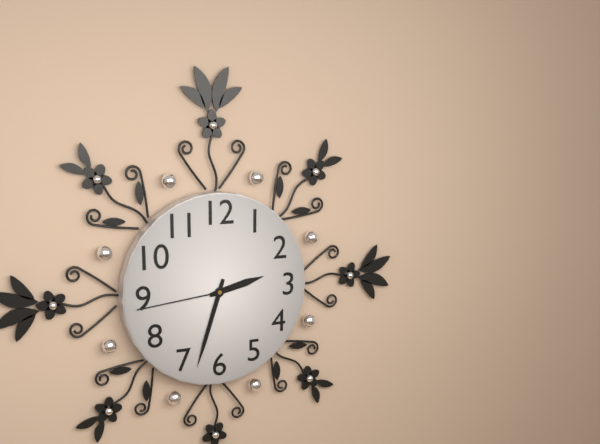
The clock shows 2.33.44
